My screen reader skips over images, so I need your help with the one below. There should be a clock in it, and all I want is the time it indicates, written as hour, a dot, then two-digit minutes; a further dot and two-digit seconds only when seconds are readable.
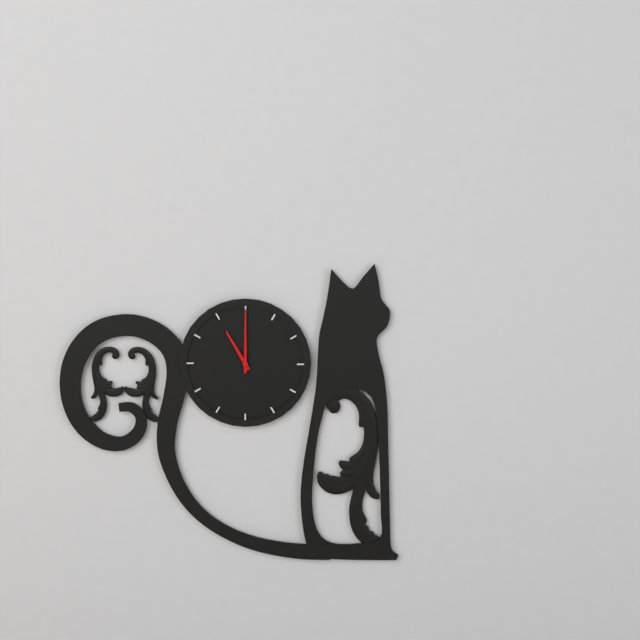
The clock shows 11.00
